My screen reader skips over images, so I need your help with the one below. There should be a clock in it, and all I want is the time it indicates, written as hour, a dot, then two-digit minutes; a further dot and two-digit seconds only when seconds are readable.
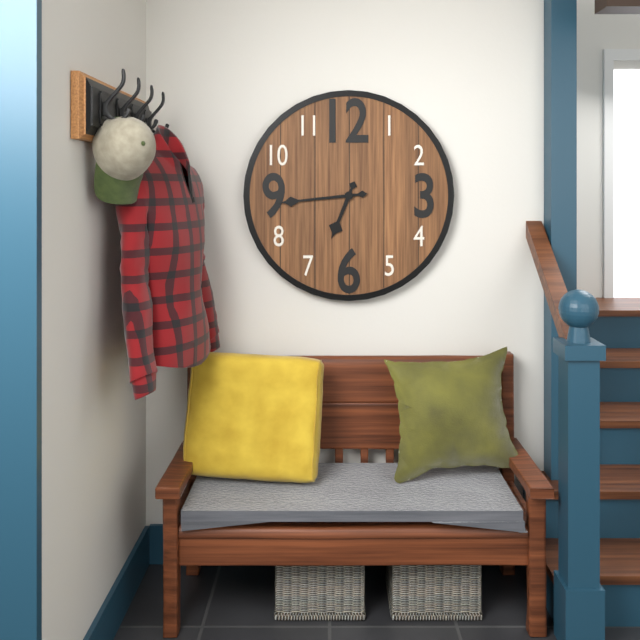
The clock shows 6.44
